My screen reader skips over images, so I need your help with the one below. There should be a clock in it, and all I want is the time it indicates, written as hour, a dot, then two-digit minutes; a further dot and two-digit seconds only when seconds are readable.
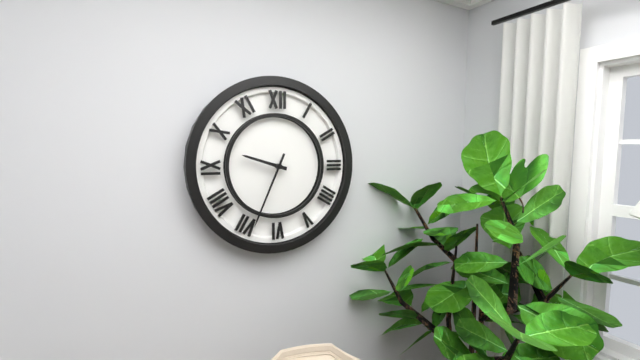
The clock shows 9.34
